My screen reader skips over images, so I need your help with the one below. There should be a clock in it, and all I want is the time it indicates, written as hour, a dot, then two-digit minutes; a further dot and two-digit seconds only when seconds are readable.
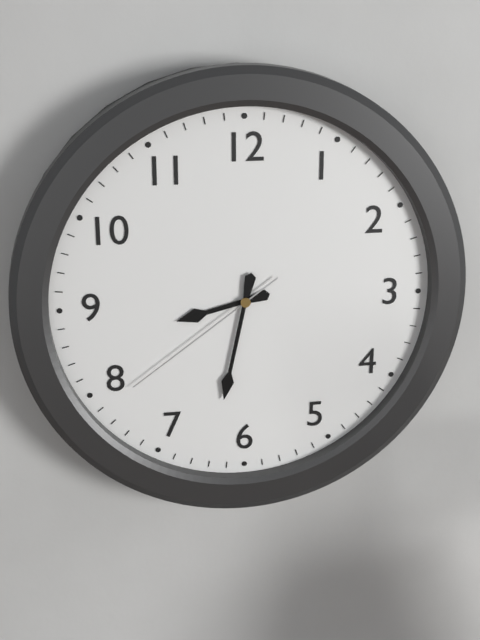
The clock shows 8.32.39
